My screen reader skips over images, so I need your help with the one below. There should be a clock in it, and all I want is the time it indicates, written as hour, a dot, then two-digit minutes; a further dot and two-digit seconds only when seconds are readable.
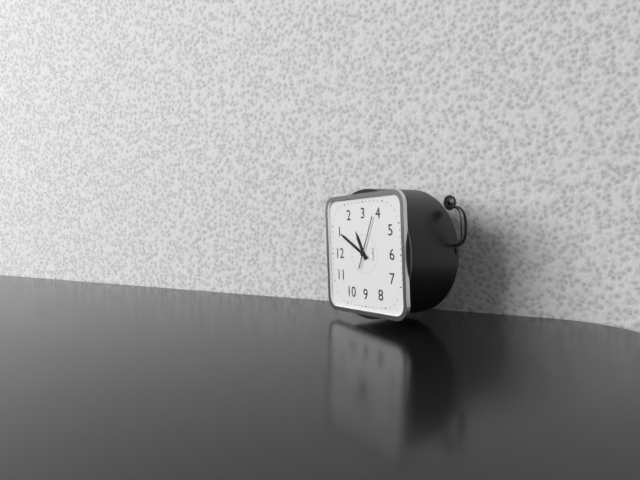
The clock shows 2.05
